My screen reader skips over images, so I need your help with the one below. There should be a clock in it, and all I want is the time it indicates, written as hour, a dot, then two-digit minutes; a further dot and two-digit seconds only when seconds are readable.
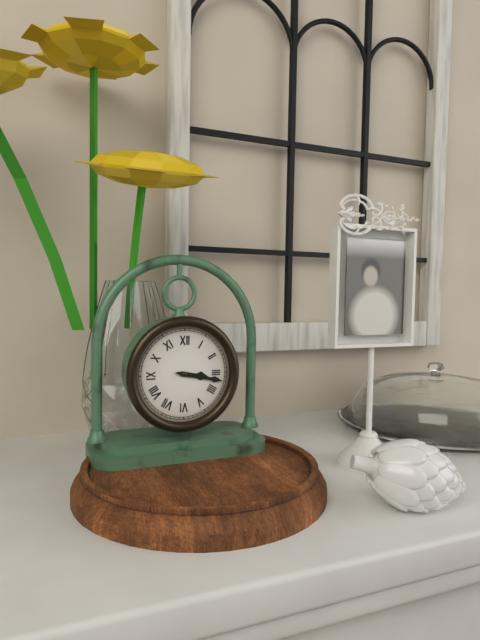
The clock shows 3.17
